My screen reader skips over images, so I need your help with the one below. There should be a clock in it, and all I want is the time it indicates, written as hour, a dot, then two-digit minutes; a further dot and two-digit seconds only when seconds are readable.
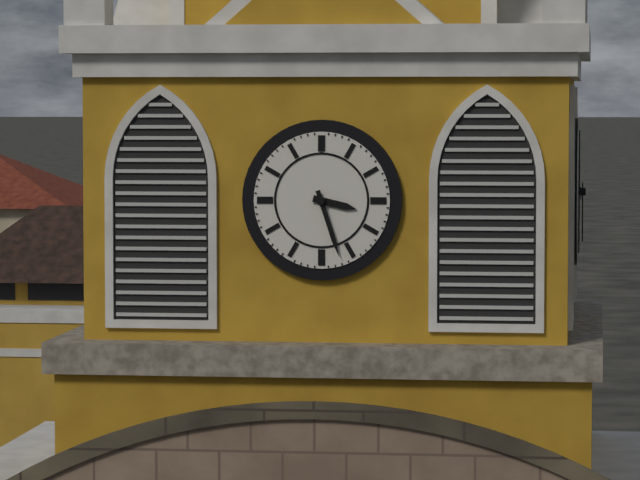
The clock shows 3.27
